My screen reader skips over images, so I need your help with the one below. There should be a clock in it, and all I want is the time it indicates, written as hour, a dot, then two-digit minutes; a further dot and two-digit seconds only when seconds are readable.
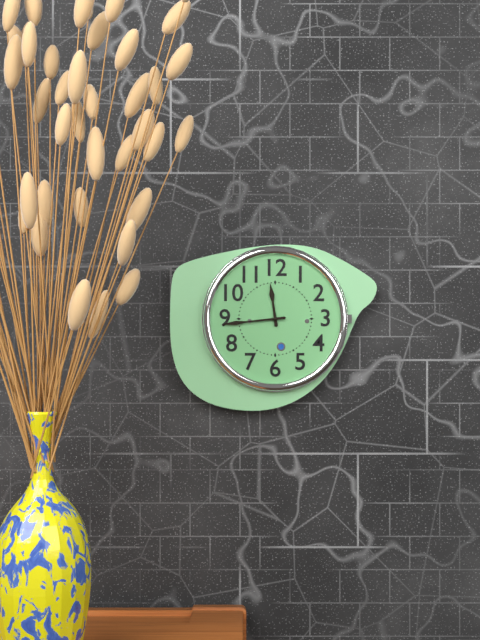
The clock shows 11.44
